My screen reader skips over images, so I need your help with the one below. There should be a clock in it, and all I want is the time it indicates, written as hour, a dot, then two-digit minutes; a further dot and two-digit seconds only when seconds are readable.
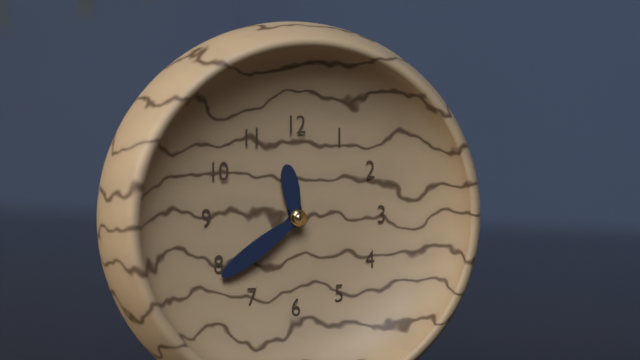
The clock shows 11.39
